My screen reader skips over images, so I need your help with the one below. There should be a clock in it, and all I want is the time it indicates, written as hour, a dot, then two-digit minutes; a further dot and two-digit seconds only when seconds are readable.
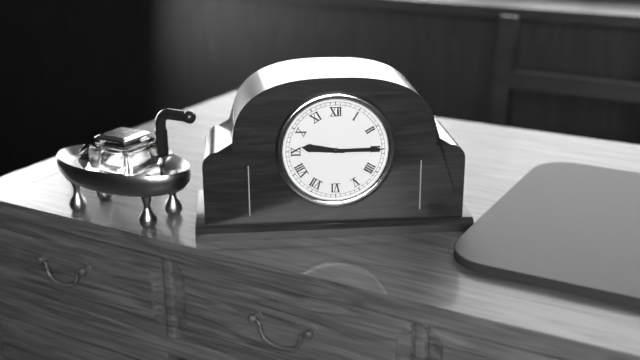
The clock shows 9.15
